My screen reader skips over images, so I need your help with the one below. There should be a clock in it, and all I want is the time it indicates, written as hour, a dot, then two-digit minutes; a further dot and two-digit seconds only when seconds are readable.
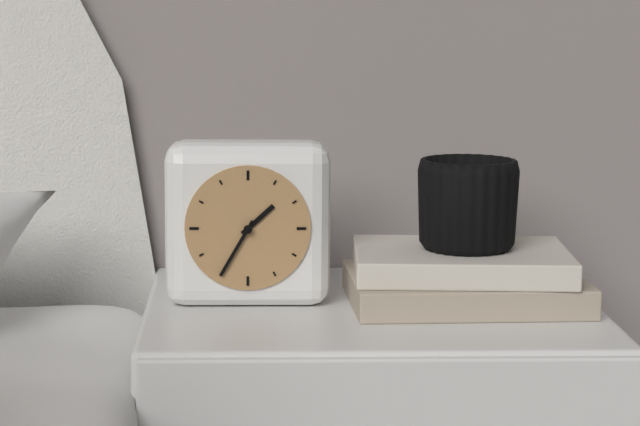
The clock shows 1.35
